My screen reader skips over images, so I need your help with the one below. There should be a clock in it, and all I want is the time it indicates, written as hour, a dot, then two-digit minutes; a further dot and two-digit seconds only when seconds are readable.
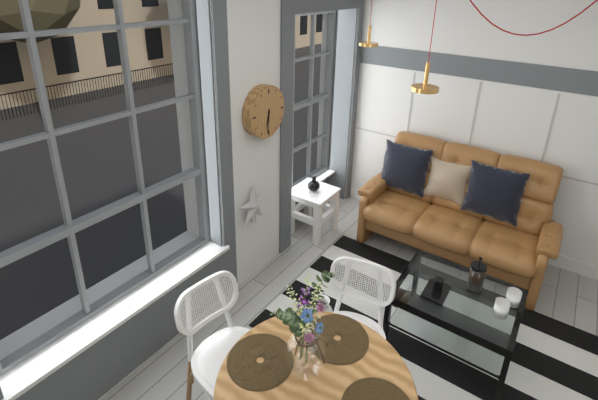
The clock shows 6.31
